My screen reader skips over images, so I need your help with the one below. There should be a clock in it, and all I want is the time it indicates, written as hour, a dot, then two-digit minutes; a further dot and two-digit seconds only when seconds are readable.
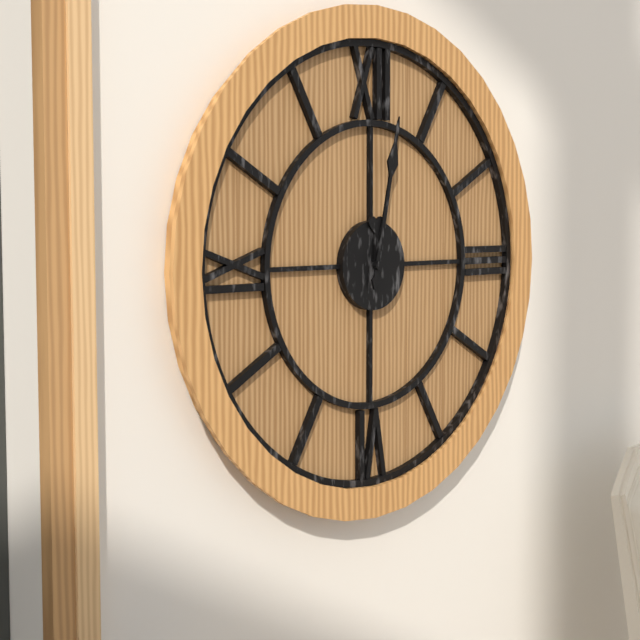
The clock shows 12.02
